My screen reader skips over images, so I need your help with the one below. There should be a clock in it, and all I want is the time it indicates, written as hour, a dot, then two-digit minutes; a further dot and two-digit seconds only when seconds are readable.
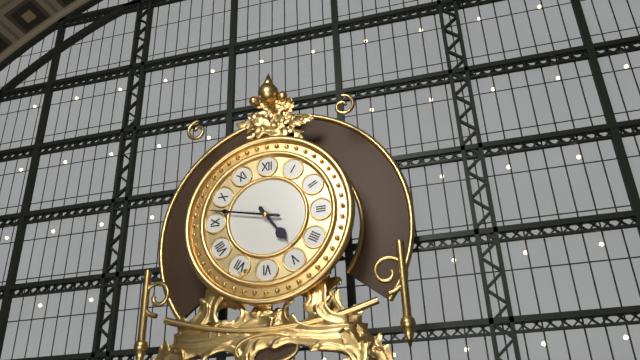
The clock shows 4.47
